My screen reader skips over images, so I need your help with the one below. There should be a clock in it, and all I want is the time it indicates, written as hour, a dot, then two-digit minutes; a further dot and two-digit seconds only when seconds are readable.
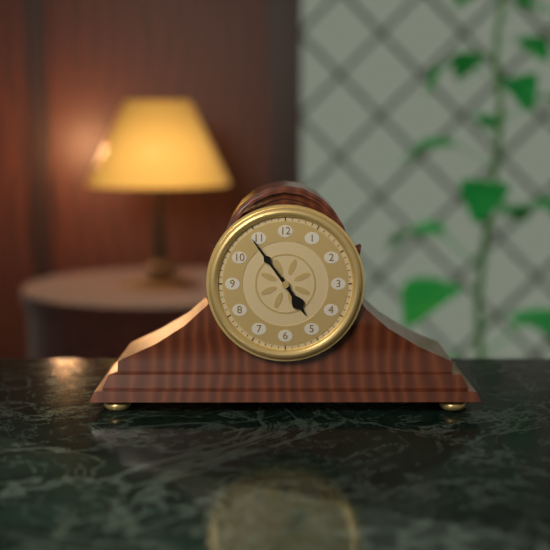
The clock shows 4.54
